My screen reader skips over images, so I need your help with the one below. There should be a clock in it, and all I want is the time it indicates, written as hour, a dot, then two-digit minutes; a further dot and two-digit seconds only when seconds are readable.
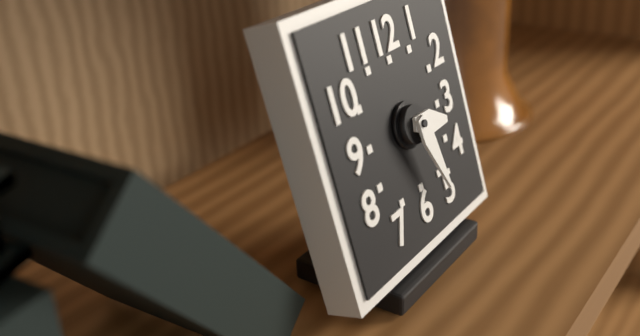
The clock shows 3.27
